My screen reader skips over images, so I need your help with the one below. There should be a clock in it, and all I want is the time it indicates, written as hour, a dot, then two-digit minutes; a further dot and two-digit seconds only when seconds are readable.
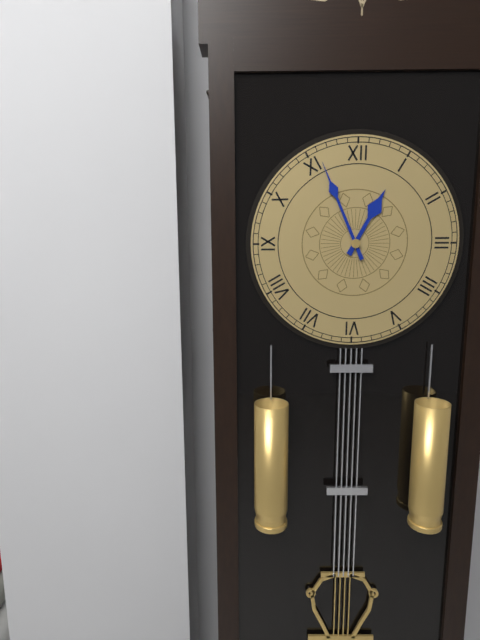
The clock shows 12.56
